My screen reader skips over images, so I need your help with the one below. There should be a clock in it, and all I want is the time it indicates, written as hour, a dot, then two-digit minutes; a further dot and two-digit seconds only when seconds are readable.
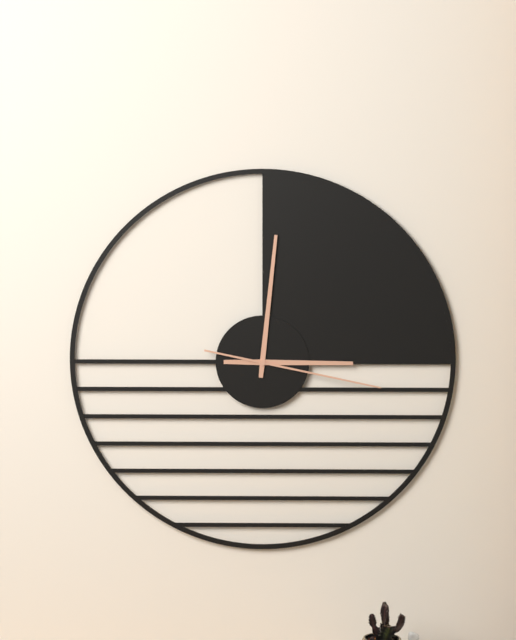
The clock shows 3.01.17
